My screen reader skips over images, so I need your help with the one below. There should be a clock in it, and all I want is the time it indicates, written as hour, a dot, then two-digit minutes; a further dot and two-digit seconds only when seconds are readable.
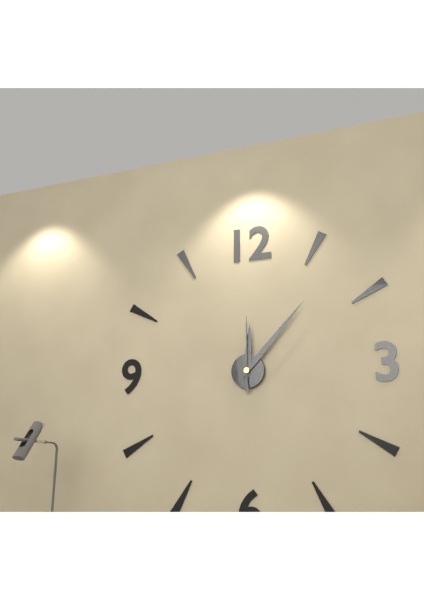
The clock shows 12.07.00
